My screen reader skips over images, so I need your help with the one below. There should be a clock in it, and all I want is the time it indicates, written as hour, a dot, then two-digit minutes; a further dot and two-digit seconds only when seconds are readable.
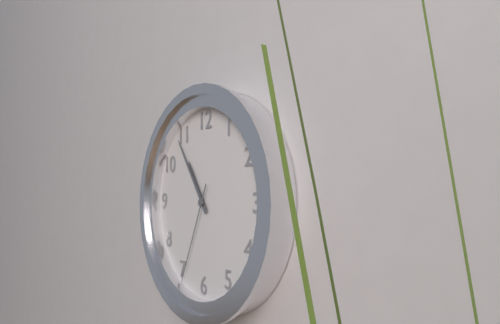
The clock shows 10.54.34
